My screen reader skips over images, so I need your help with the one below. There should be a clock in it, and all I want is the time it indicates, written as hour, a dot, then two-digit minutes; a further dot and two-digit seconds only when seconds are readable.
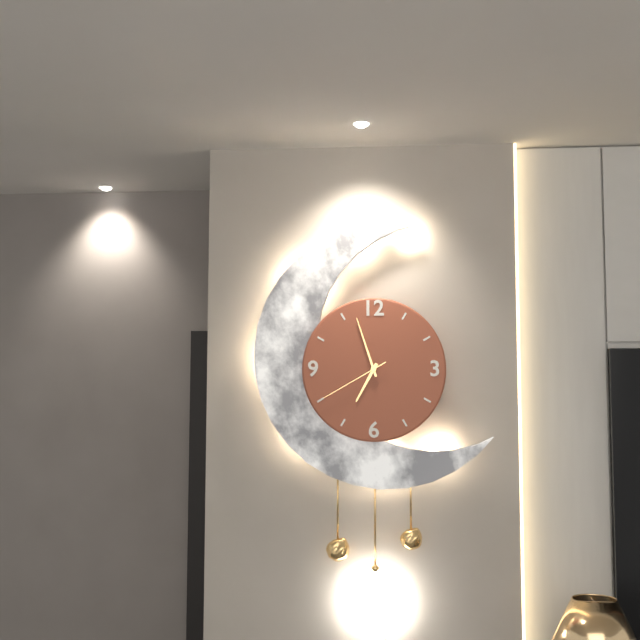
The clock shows 6.57.40
